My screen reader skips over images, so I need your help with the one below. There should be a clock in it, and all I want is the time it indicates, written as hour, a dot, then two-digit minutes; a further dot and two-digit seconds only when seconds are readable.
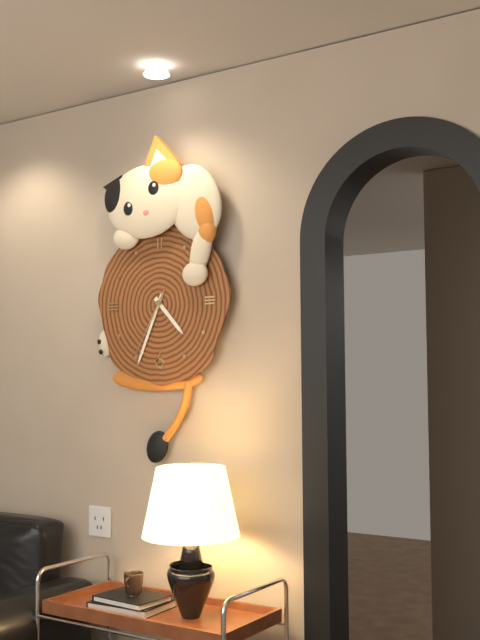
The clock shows 4.34.35
